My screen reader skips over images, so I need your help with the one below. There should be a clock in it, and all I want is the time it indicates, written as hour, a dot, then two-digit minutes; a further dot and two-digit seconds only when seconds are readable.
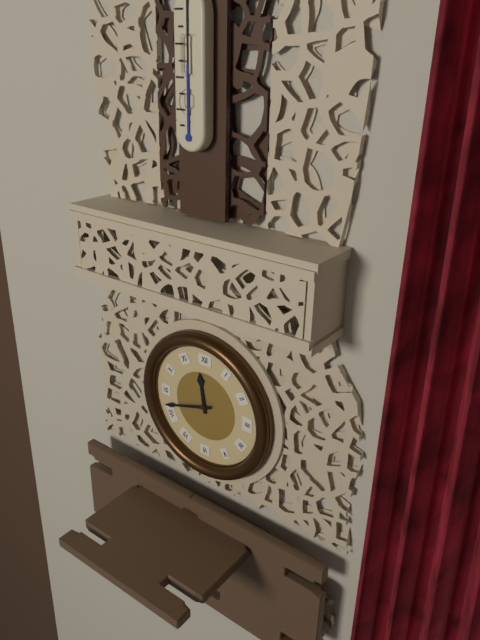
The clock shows 11.42
